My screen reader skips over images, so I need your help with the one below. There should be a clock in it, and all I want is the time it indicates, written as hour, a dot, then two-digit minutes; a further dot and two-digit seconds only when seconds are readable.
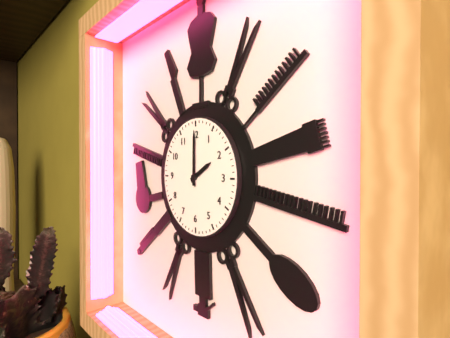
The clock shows 2.00
